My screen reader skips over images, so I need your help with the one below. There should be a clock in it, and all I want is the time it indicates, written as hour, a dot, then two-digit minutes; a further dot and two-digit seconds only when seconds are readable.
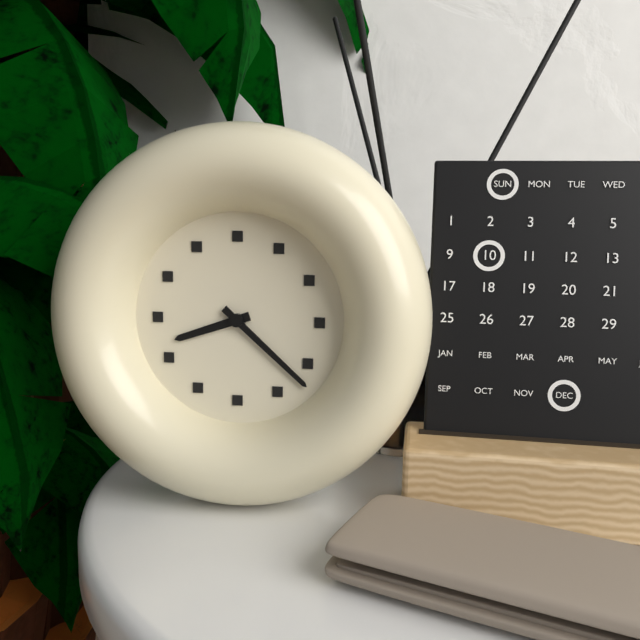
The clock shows 8.22
